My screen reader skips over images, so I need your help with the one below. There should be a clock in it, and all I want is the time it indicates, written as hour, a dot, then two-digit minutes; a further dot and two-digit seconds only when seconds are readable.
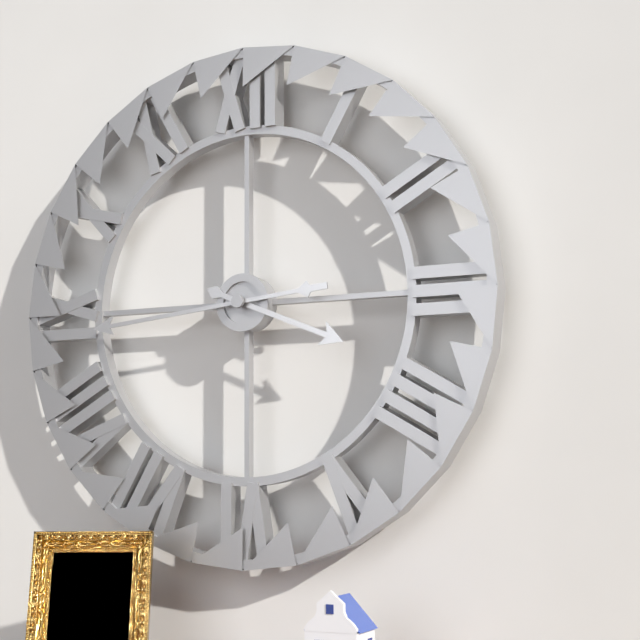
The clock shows 3.44
